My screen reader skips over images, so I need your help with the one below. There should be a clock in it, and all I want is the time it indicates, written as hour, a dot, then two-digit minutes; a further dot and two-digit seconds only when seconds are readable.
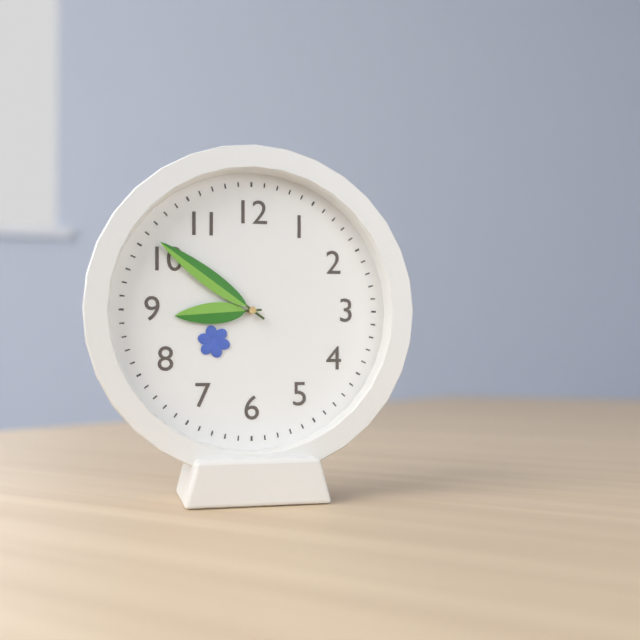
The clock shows 8.51
